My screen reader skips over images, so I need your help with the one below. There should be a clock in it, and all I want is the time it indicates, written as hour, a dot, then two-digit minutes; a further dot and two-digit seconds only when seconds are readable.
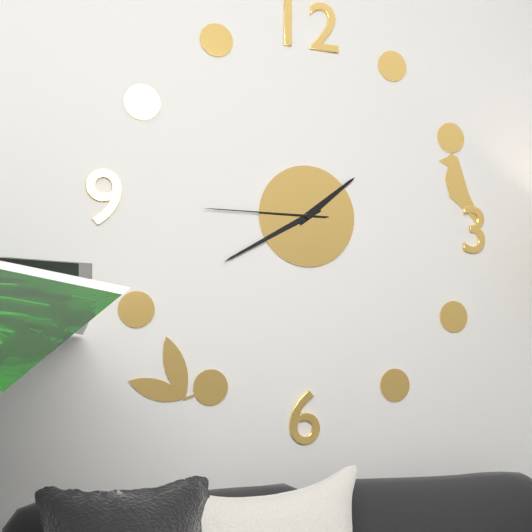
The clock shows 1.40.45
